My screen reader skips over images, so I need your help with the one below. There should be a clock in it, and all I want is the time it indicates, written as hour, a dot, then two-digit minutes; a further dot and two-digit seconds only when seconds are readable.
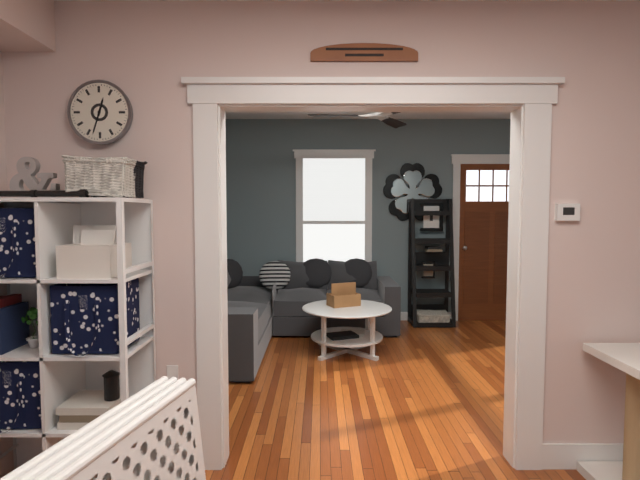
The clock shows 12.33
